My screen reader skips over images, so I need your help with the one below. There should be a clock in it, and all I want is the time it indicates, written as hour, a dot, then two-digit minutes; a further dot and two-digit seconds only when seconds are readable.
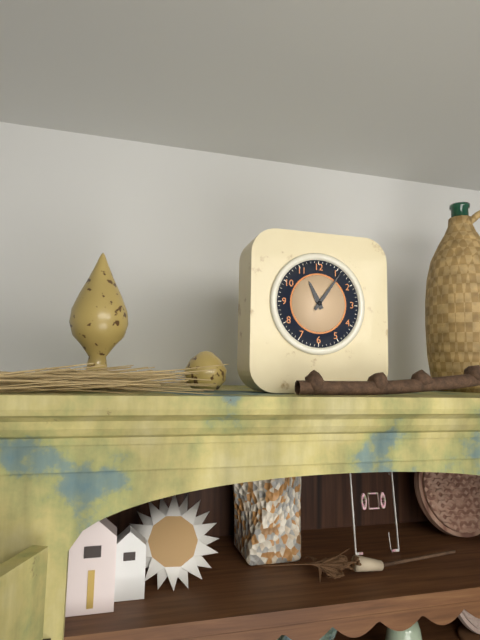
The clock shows 11.06
